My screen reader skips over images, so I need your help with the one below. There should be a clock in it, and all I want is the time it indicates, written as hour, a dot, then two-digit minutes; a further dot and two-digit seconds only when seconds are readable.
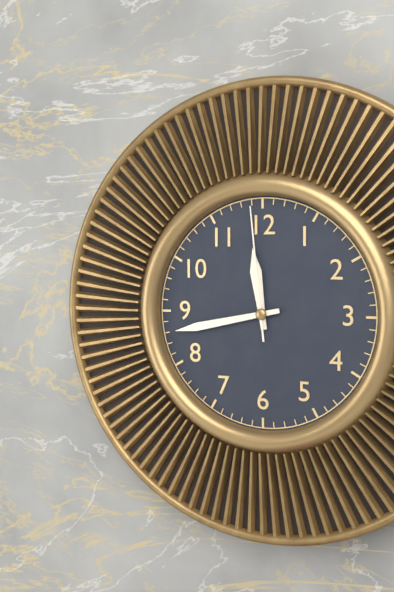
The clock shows 11.43.59
